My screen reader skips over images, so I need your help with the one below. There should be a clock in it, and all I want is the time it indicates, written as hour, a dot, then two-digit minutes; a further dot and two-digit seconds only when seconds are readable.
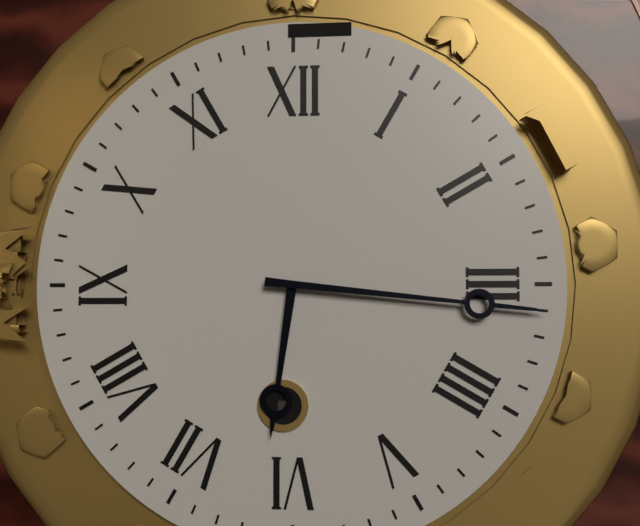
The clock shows 6.16
